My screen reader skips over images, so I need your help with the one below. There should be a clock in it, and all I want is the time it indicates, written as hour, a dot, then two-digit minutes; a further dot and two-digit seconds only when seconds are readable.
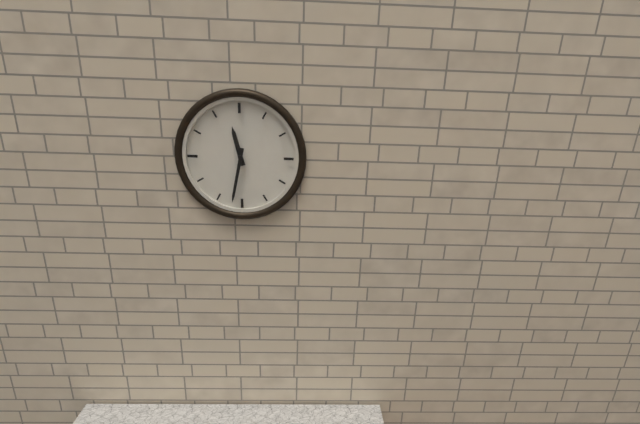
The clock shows 11.32
